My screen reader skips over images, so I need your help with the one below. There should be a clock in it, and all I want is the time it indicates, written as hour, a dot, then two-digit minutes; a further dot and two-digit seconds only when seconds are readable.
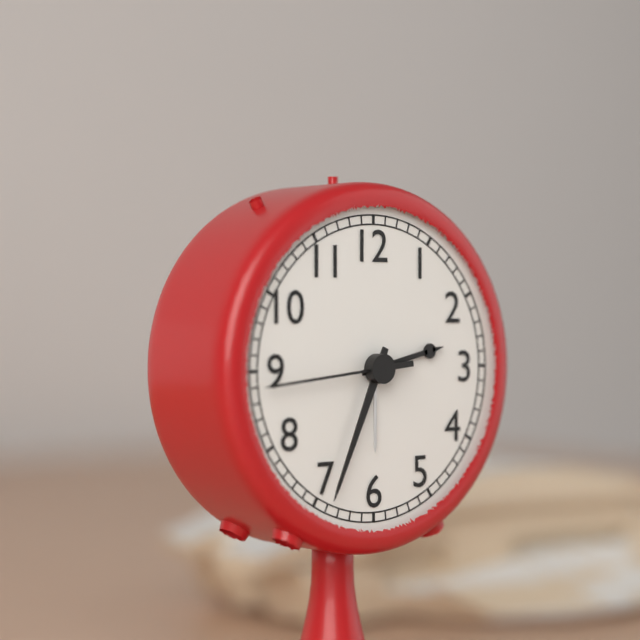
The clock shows 2.34.44
